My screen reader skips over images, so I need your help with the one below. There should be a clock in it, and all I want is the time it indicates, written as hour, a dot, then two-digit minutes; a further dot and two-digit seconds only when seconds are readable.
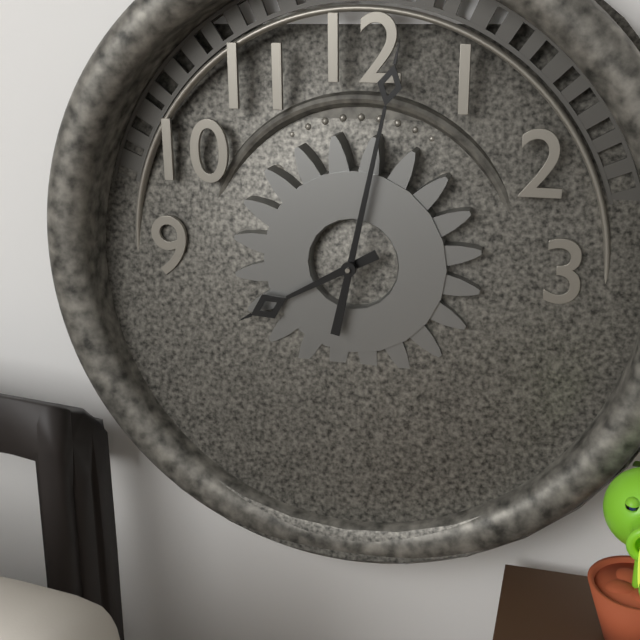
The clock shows 8.02
